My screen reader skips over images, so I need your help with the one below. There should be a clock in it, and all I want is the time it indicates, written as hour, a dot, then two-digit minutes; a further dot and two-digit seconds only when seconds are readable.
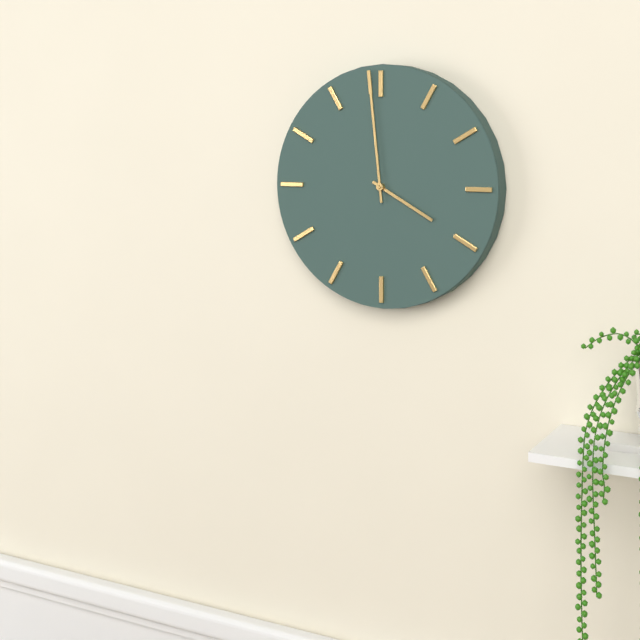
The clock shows 3.59
